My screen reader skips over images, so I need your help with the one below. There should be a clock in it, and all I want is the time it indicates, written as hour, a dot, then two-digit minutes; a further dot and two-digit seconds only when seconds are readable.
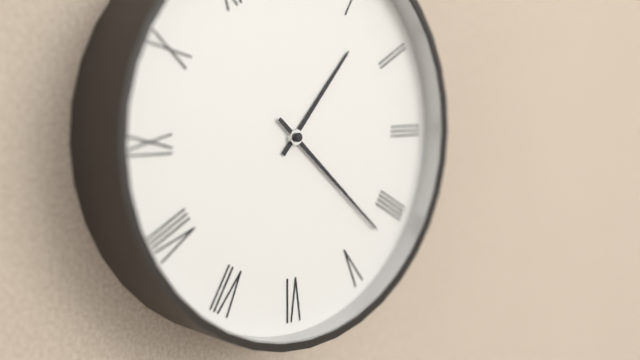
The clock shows 1.22
